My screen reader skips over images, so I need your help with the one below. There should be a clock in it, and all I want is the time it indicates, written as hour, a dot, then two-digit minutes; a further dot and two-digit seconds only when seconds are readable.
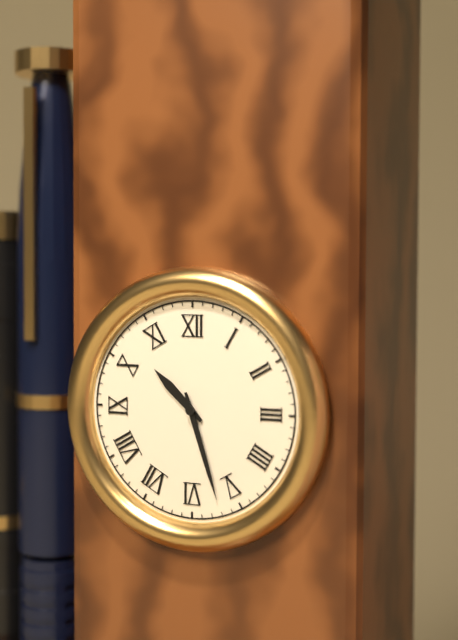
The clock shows 10.27
